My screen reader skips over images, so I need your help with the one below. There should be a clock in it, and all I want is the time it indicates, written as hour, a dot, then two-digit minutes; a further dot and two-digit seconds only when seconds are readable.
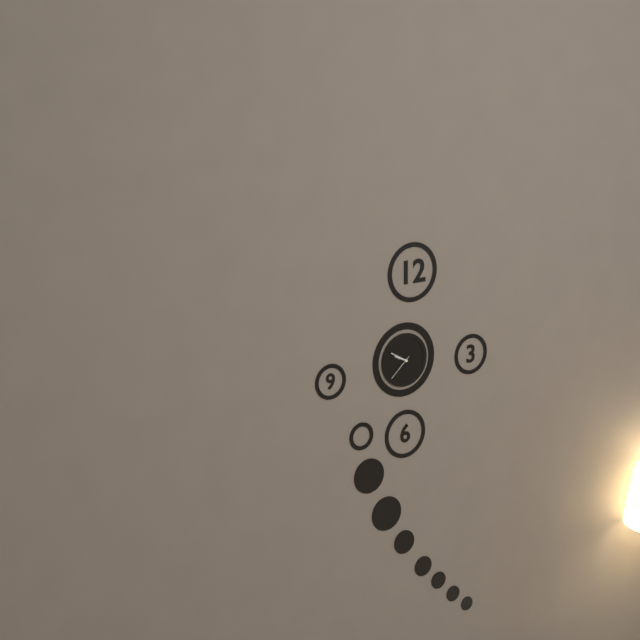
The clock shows 9.50
